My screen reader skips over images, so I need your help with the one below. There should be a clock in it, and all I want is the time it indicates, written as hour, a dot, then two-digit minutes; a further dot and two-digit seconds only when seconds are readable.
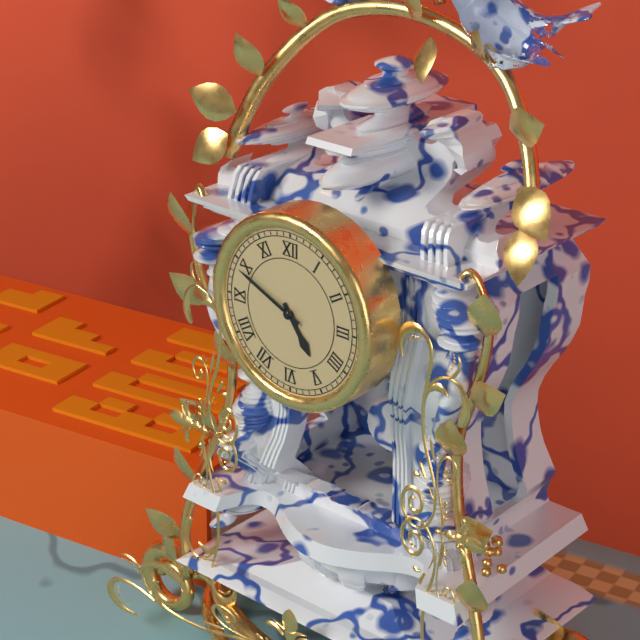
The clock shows 4.49
